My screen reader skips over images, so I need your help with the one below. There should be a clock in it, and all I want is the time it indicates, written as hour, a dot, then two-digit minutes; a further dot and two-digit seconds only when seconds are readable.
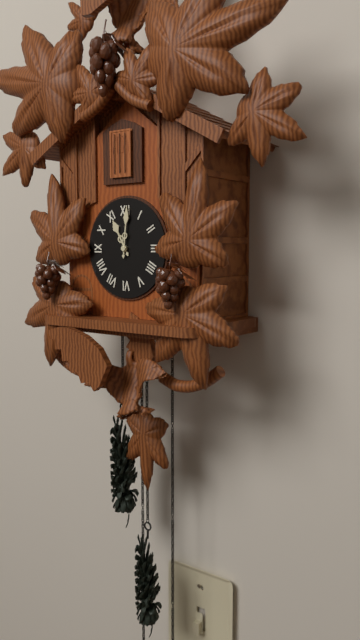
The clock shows 11.01
